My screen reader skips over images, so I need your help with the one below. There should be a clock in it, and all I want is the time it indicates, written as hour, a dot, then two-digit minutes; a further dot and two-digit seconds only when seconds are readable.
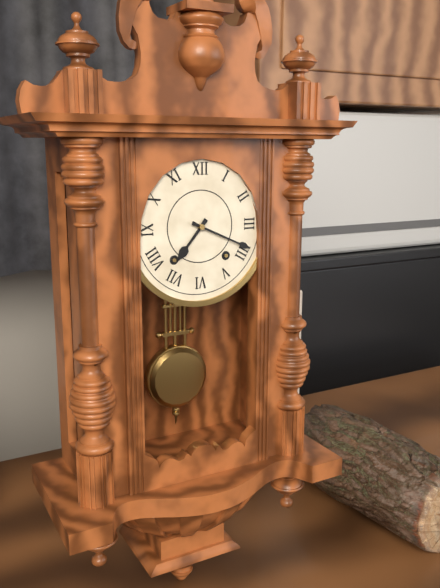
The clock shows 7.19
